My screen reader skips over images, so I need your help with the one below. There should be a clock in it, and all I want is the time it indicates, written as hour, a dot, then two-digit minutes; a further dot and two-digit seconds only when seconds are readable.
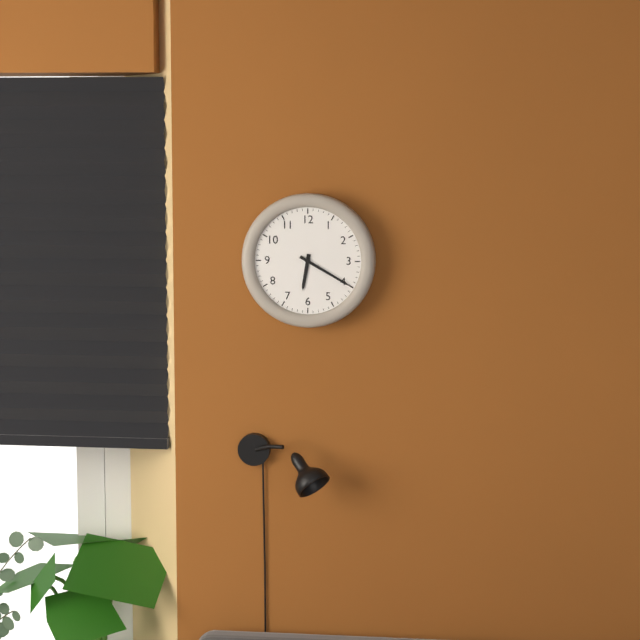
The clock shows 6.20
